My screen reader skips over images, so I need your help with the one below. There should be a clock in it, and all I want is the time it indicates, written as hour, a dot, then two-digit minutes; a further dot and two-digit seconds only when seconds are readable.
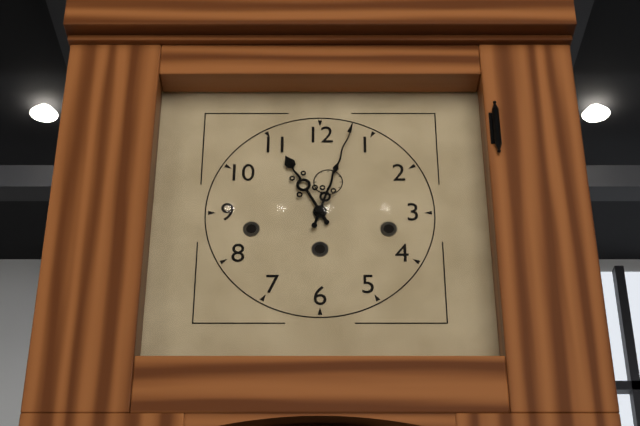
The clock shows 11.03
